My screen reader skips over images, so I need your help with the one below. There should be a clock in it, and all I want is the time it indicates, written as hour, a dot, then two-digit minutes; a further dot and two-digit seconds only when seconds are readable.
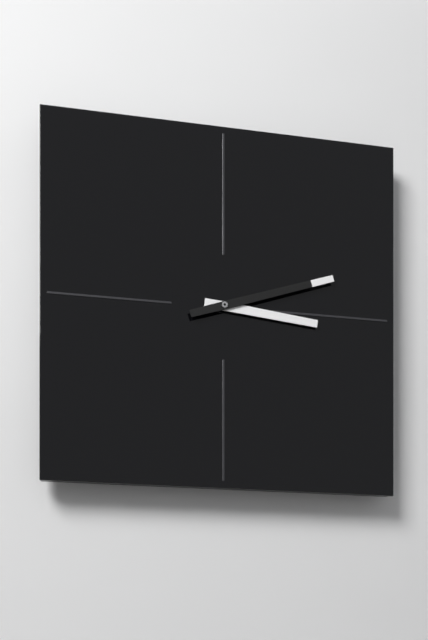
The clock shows 3.12
